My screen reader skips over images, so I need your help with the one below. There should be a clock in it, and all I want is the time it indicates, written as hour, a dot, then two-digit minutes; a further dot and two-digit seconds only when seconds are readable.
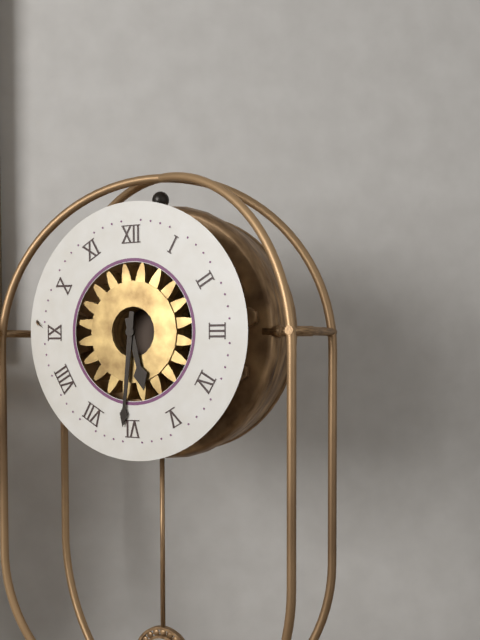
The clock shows 5.31
